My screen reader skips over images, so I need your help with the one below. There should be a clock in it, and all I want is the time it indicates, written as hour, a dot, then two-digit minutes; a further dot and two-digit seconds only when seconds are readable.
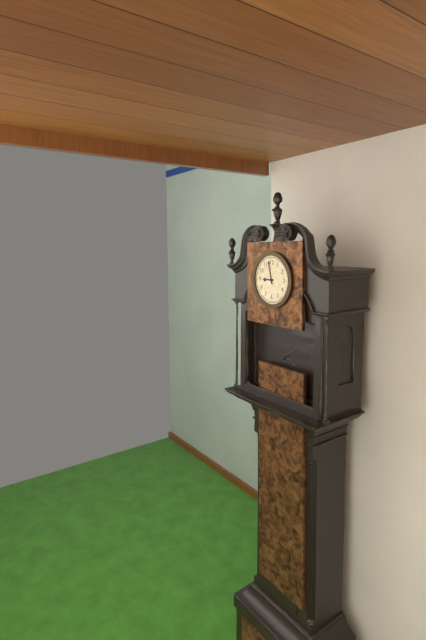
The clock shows 8.58
